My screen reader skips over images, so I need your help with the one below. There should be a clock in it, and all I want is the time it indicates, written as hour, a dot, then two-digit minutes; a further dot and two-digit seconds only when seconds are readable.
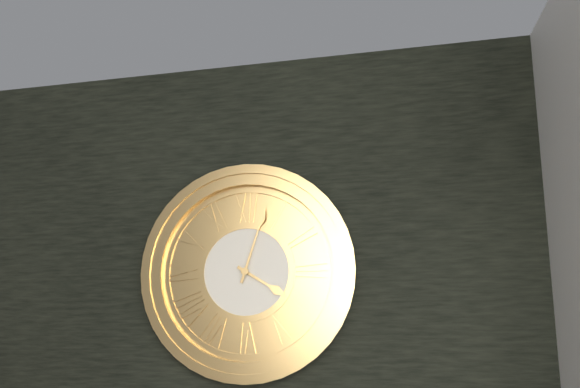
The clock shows 4.03
